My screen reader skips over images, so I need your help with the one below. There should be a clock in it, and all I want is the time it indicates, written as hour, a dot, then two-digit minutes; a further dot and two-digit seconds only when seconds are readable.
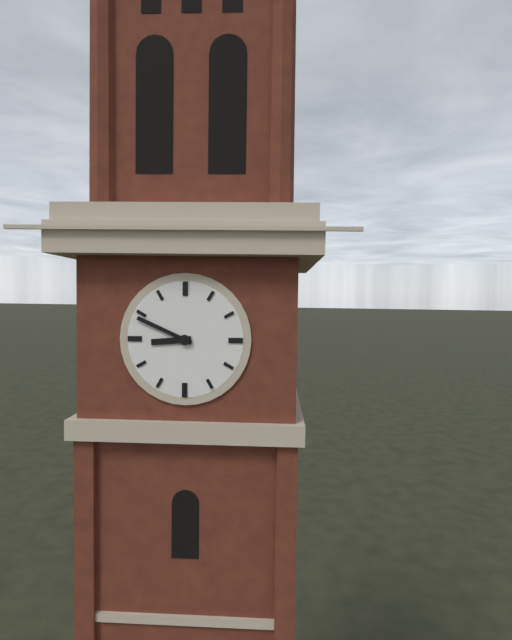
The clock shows 8.49
